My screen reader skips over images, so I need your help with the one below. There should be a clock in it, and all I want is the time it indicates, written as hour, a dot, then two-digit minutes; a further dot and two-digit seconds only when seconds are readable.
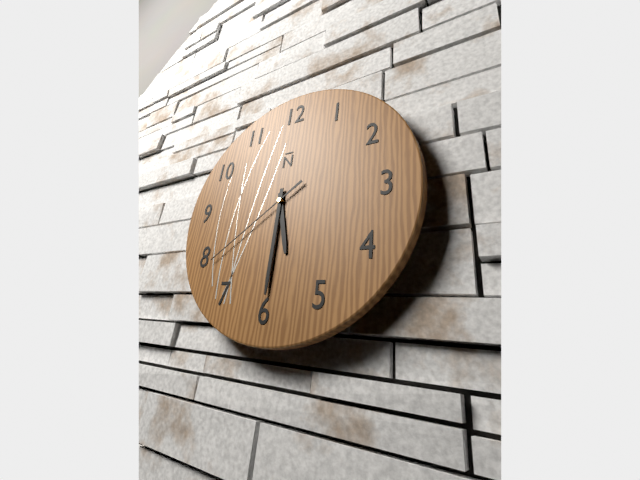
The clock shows 5.30.39
